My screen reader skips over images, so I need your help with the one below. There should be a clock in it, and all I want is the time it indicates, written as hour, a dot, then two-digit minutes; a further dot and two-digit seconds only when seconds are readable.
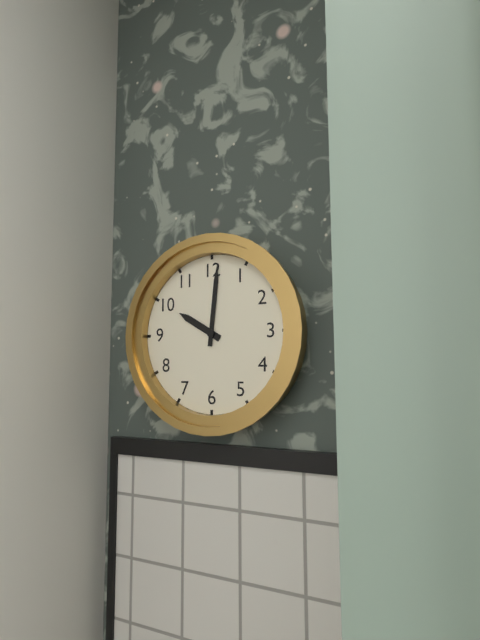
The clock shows 10.01
